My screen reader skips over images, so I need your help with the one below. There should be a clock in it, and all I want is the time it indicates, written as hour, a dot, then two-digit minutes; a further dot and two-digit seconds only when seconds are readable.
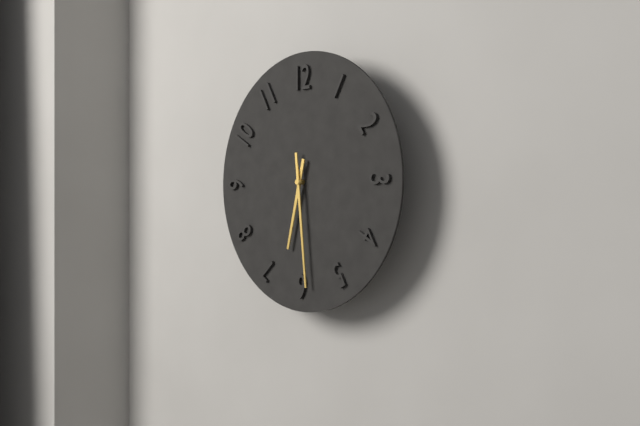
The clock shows 6.29
